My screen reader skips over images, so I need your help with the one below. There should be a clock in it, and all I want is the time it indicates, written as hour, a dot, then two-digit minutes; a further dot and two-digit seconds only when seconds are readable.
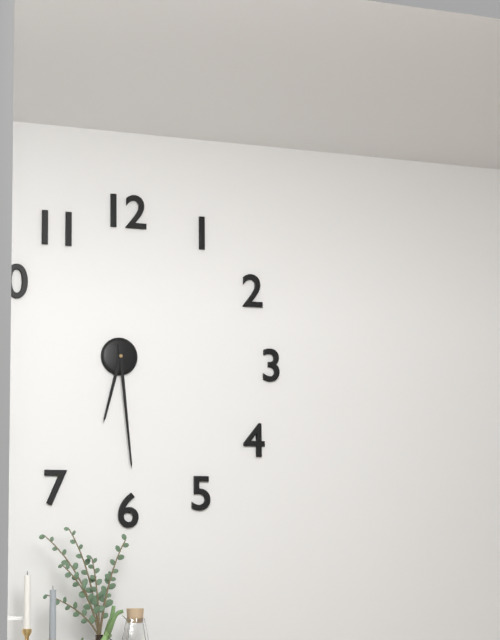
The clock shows 6.29
